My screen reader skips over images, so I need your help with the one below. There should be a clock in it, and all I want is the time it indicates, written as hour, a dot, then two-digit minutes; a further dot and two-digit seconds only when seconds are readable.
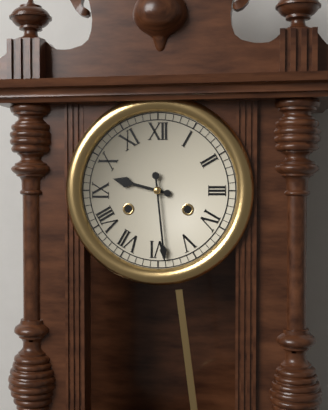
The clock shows 9.29
